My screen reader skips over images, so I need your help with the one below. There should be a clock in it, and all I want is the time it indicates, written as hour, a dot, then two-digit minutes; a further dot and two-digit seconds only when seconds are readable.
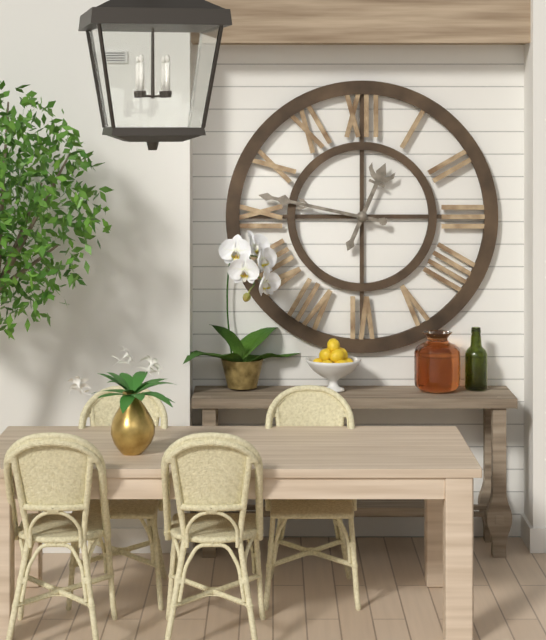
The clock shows 12.47
